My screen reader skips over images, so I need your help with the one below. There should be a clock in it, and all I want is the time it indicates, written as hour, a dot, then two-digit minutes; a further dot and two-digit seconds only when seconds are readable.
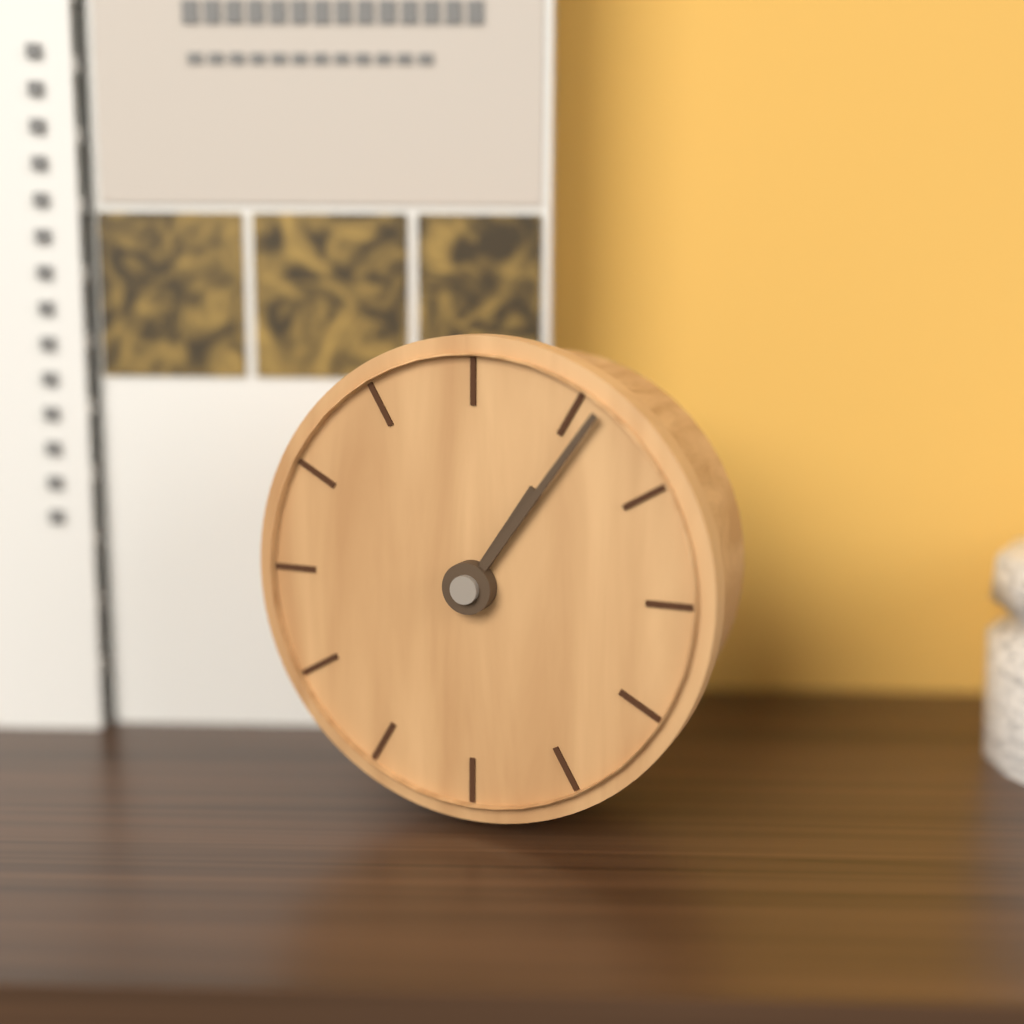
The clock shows 1.06
